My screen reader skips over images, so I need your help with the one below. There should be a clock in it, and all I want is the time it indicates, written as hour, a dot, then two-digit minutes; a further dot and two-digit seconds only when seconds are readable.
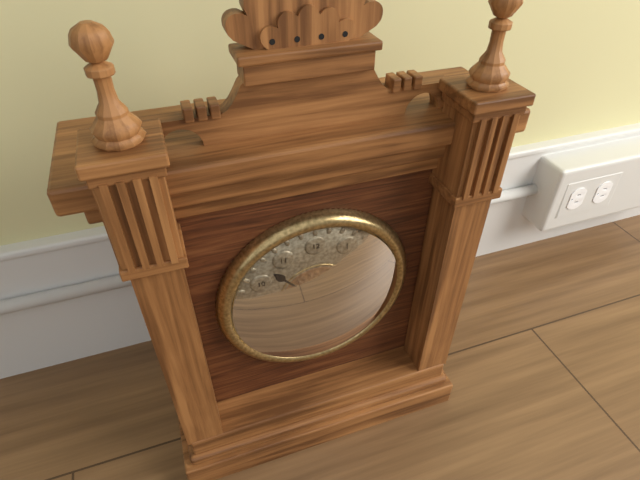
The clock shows 8.53
